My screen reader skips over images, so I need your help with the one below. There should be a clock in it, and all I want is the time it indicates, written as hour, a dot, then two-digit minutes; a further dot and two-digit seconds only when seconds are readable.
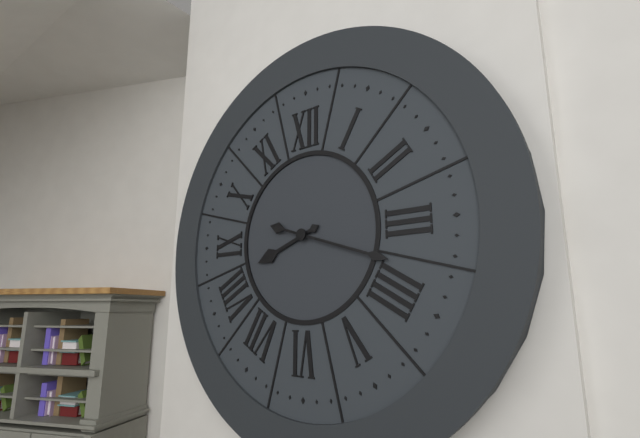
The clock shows 8.18
